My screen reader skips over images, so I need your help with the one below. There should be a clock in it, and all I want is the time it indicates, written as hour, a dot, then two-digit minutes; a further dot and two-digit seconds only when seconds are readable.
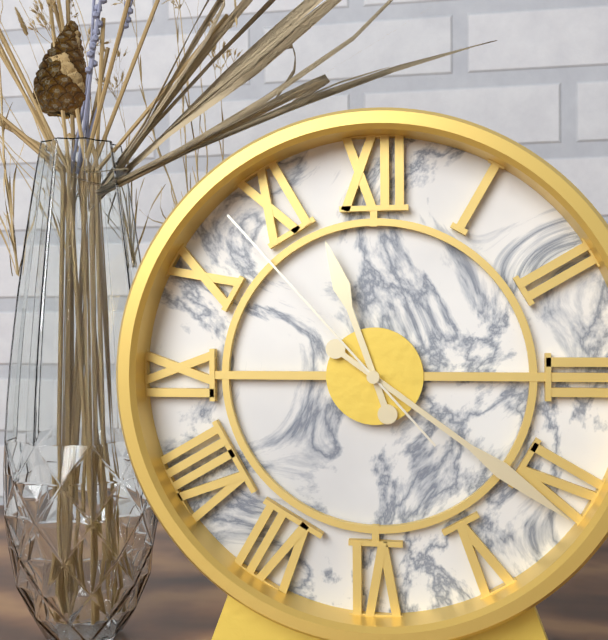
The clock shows 11.21.53
